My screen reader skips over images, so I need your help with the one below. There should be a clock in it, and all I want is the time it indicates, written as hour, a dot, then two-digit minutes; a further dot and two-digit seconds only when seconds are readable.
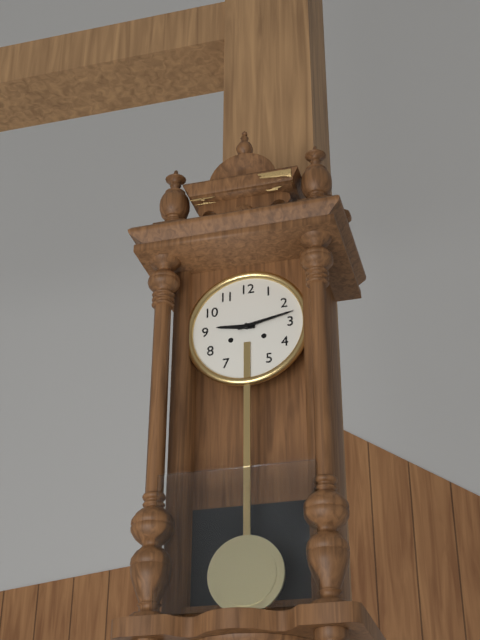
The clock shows 9.13
